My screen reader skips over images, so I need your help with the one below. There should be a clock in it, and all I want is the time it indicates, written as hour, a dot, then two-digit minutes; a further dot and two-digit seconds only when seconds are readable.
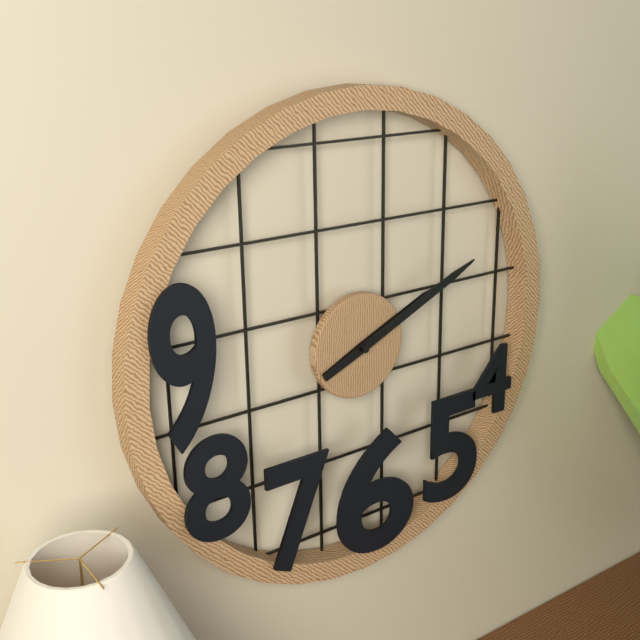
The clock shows 2.11
